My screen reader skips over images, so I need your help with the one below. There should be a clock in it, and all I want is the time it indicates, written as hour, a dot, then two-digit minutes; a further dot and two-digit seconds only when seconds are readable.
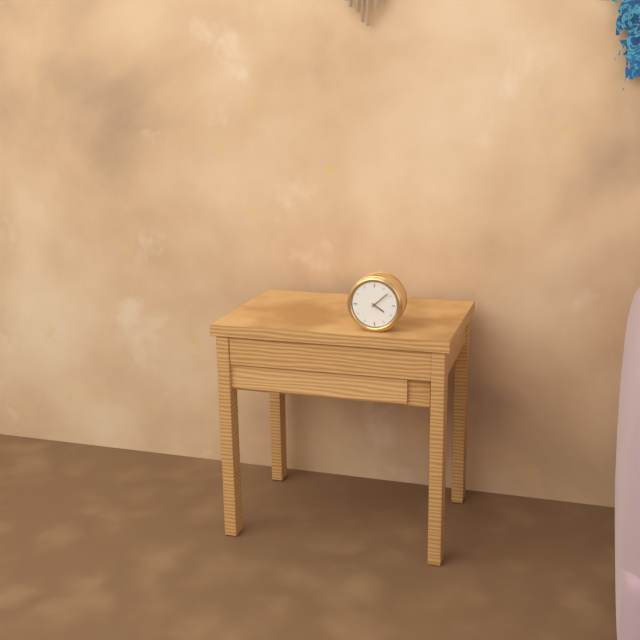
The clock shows 4.08
